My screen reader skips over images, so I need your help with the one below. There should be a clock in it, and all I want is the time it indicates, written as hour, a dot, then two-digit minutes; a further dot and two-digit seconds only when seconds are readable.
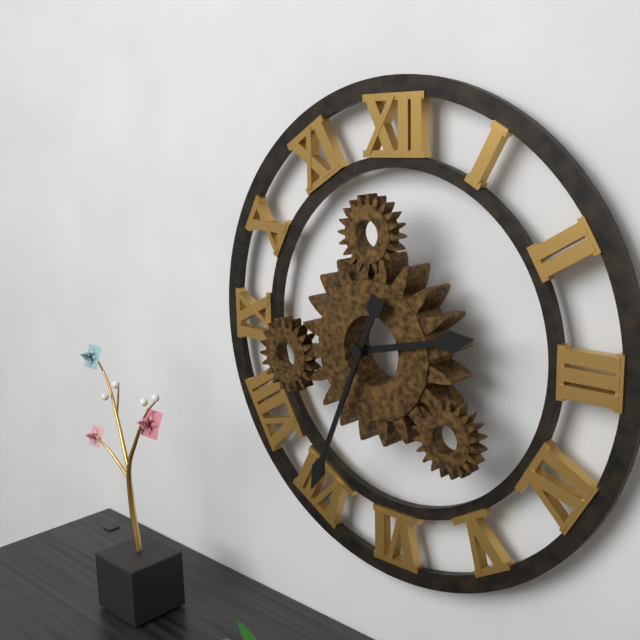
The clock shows 2.34
